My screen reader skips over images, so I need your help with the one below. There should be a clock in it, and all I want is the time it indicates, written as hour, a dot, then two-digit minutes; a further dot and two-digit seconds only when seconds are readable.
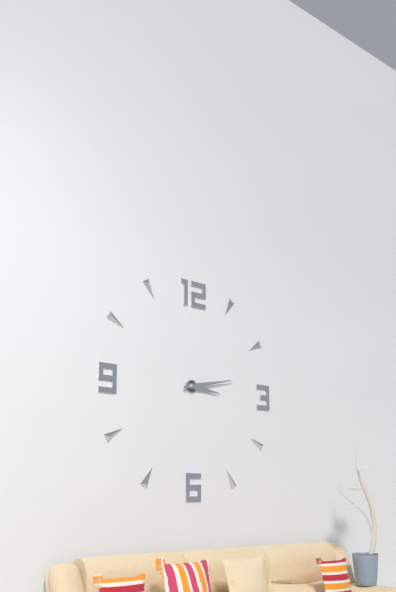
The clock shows 3.13
